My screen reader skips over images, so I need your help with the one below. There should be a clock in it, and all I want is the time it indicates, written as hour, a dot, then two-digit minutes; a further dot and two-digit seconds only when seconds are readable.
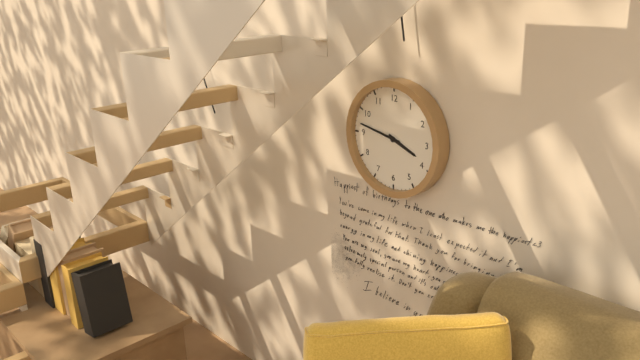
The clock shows 3.47
